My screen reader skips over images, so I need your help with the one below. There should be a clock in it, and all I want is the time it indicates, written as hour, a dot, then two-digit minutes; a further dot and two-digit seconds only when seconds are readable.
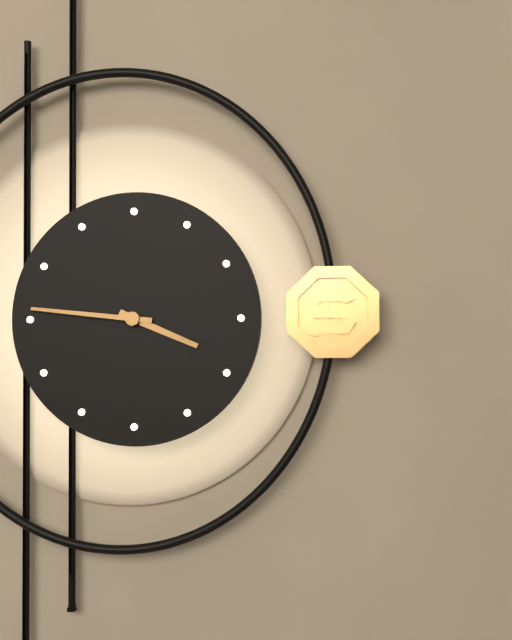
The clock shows 3.46
